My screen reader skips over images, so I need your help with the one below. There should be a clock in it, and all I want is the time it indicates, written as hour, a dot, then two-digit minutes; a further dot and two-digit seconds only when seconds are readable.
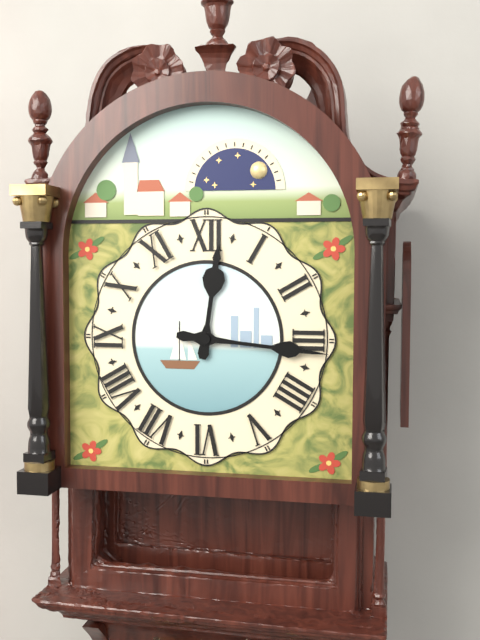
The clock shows 12.16
